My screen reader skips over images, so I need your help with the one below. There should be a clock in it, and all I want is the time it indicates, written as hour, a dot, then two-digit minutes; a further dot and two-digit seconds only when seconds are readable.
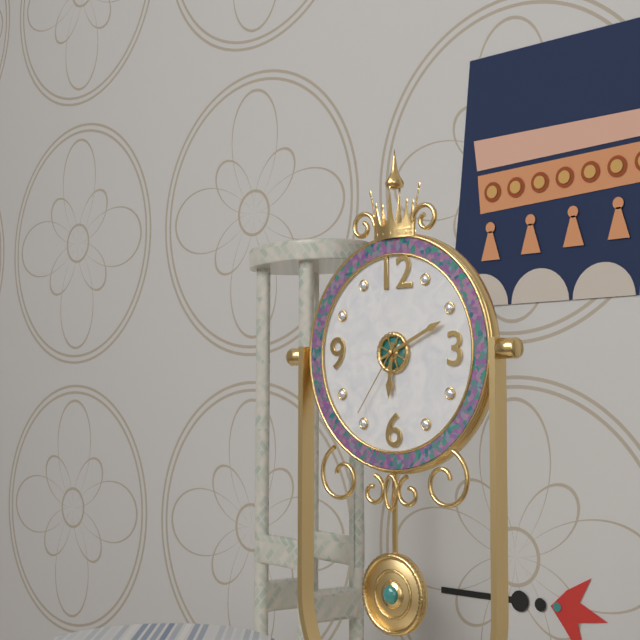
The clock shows 6.11.36
